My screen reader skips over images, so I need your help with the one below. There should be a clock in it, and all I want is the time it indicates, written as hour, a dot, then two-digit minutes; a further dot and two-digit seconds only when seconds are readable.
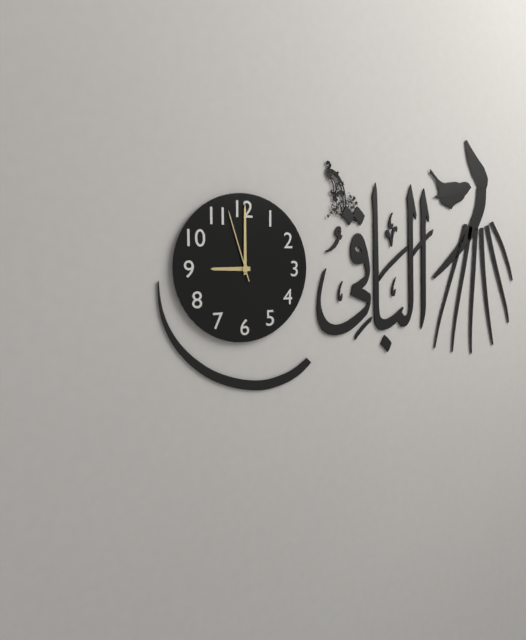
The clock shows 9.00.57
